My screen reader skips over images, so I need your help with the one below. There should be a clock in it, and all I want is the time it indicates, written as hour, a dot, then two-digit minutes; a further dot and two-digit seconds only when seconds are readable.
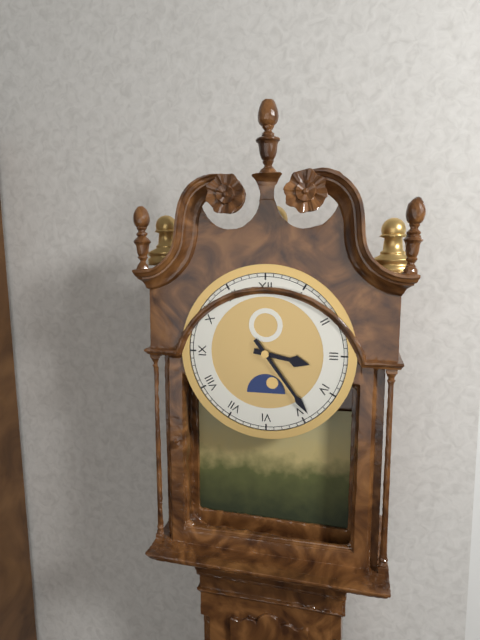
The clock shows 3.24
